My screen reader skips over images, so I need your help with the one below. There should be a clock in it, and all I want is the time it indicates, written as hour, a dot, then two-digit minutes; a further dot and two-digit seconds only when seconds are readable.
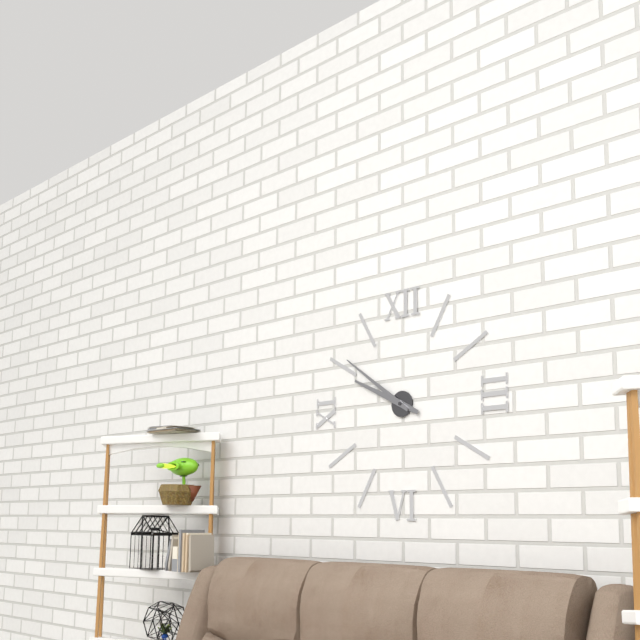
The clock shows 9.51
